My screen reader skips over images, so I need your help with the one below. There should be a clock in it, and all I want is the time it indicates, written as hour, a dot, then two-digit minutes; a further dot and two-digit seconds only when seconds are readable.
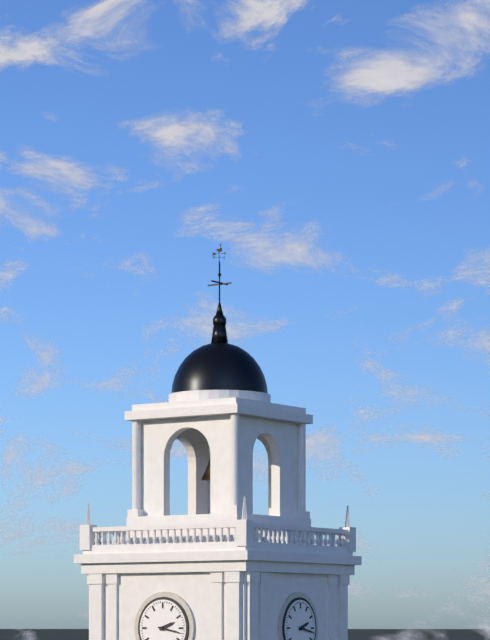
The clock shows 2.17
